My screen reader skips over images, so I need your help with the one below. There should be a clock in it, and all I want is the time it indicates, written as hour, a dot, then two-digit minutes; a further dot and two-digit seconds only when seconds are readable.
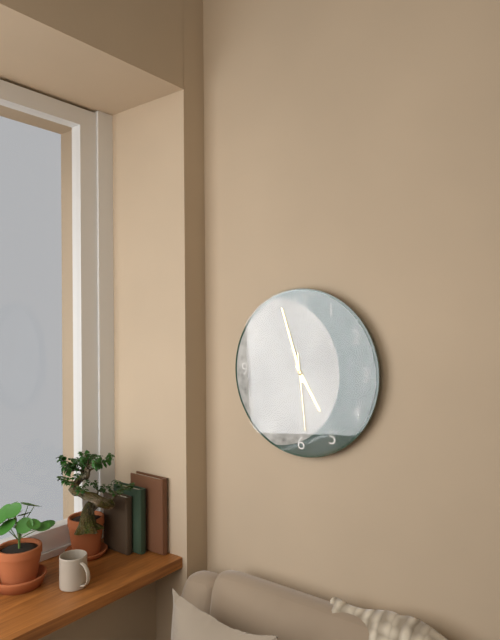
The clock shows 4.57.29
